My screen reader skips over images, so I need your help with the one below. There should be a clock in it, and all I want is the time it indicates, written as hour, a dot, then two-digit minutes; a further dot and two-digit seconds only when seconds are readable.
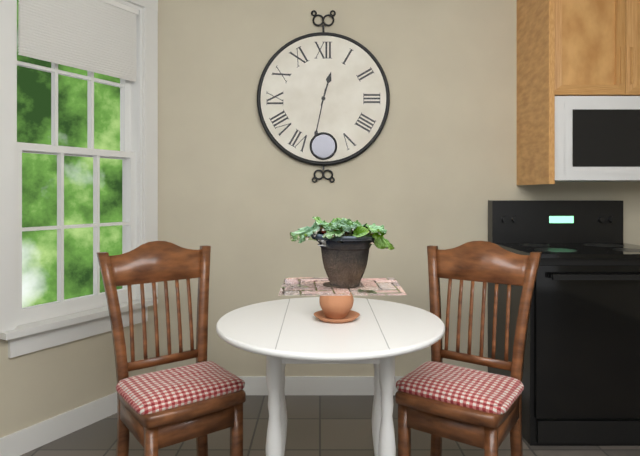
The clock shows 12.32
